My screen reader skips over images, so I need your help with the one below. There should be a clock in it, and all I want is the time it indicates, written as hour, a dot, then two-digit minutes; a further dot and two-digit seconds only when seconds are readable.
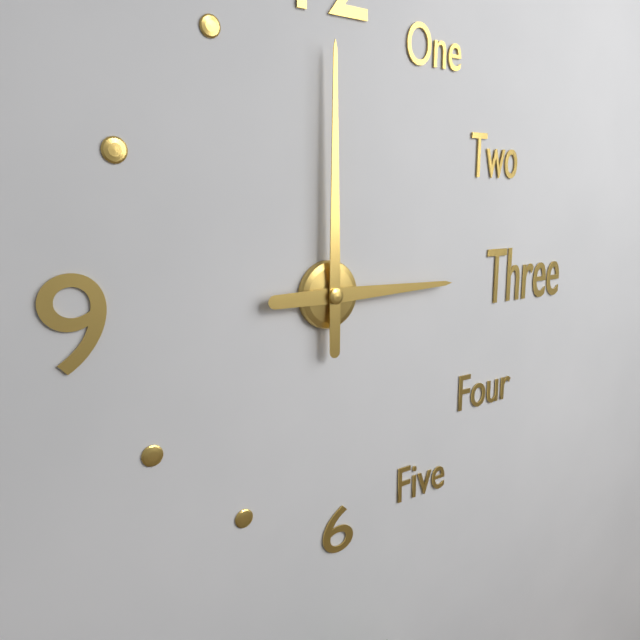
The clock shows 3.00
